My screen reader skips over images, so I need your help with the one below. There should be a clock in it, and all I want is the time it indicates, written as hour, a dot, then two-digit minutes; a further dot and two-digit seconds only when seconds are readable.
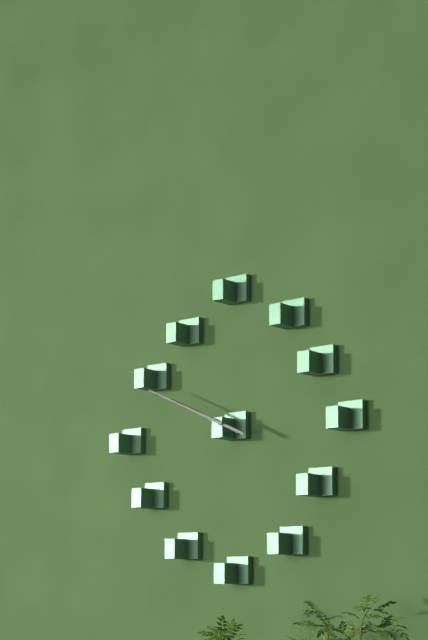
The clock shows 9.49
